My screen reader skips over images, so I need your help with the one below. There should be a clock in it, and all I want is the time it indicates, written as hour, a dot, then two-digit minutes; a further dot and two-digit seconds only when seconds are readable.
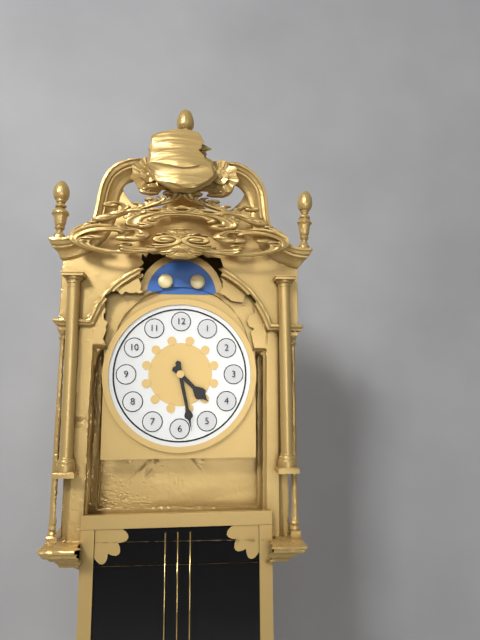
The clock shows 4.28
